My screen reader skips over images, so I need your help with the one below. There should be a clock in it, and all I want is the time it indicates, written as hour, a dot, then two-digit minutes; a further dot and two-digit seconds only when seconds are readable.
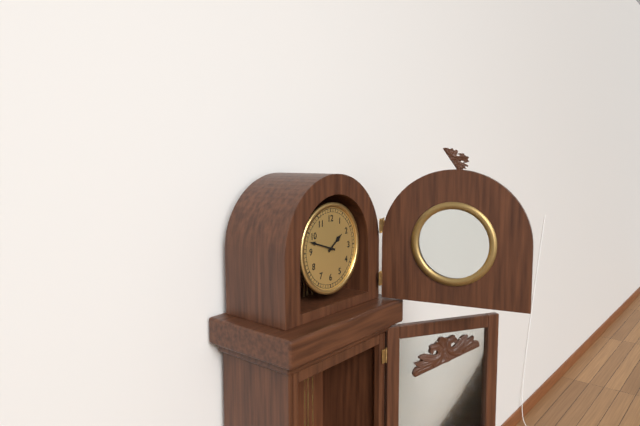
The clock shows 1.48
